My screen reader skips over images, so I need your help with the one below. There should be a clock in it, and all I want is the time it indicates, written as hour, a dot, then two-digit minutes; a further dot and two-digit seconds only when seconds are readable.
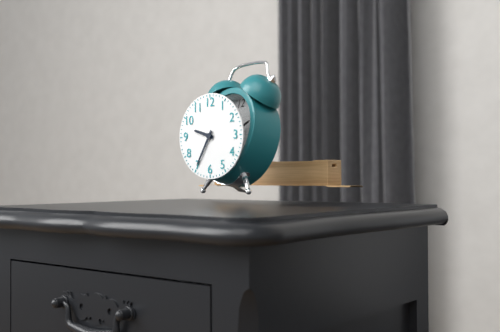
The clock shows 9.35
